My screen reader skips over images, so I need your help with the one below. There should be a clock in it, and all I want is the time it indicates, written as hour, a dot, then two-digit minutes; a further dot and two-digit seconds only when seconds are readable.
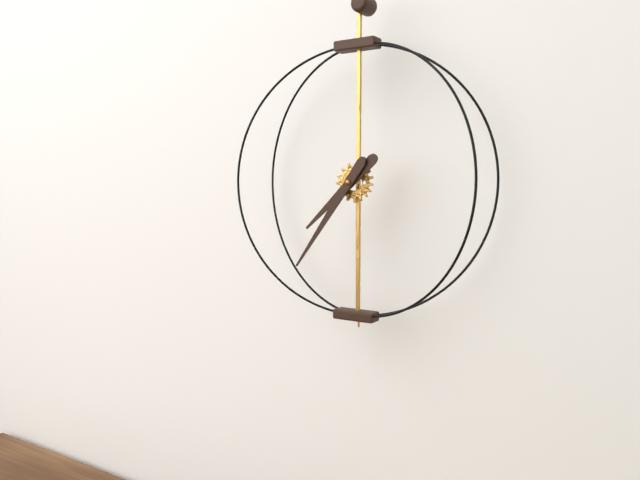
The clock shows 7.36
